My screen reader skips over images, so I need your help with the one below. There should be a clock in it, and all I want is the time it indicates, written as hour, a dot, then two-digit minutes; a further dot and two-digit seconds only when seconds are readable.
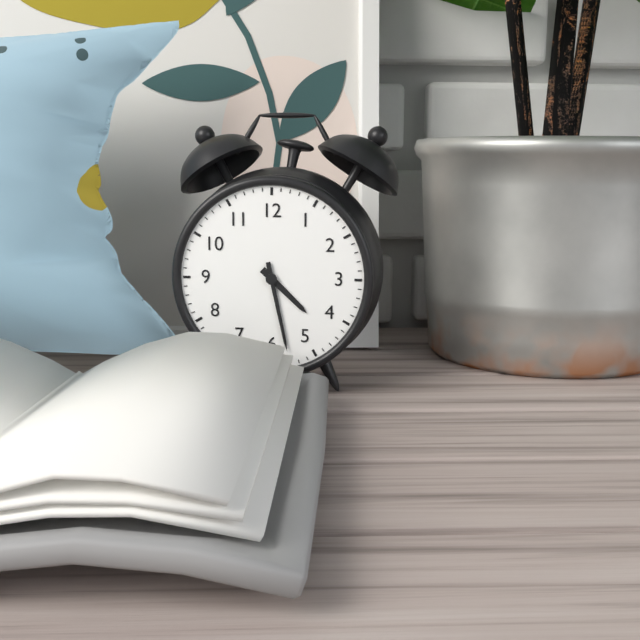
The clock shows 4.28
